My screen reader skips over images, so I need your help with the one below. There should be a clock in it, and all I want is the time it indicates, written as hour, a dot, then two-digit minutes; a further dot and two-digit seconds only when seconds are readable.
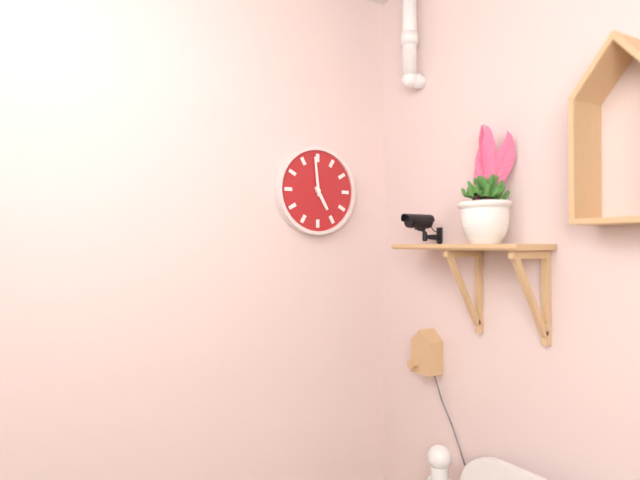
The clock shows 4.59
